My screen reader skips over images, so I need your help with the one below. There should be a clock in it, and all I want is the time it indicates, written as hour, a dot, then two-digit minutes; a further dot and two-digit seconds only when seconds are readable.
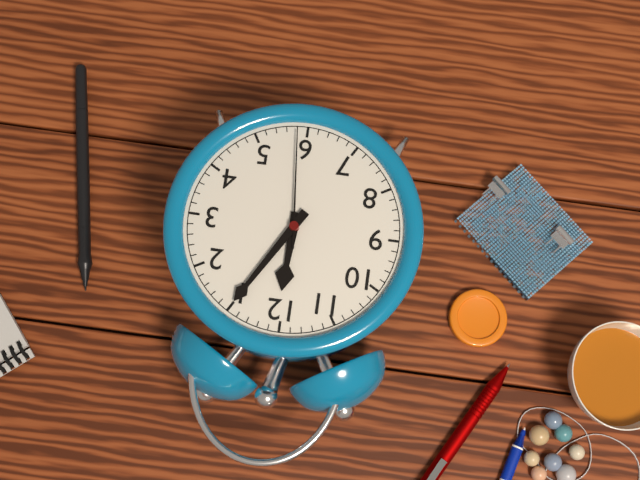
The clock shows 12.05.29
